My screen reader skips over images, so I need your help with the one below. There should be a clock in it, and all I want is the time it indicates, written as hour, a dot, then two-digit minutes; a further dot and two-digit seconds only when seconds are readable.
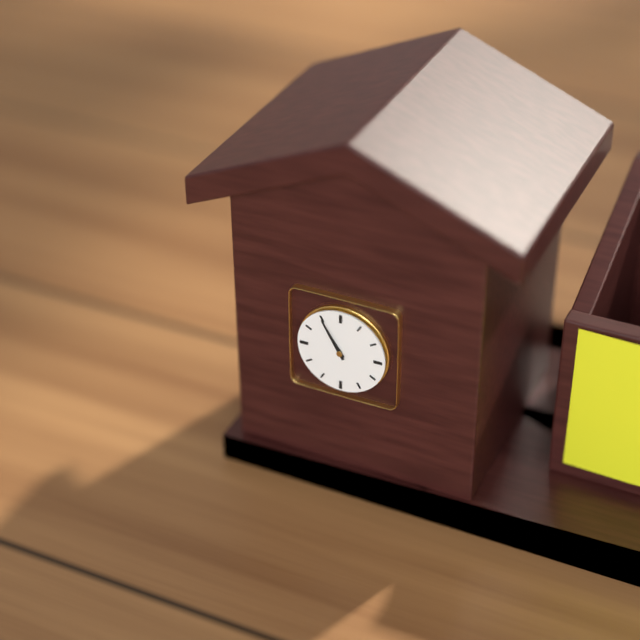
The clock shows 10.55
